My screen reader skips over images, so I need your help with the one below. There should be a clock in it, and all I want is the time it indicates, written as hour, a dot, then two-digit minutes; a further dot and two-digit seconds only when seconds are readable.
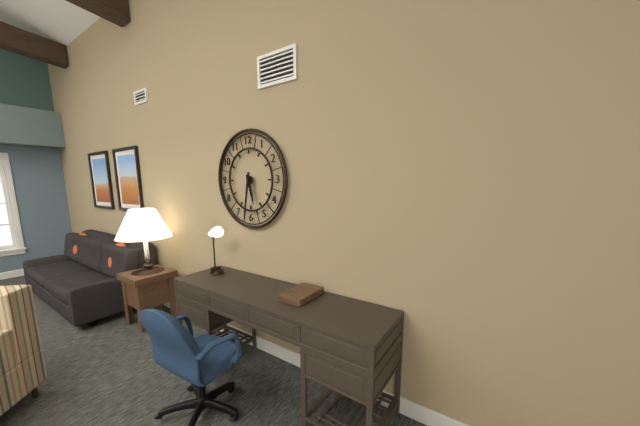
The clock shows 5.32
